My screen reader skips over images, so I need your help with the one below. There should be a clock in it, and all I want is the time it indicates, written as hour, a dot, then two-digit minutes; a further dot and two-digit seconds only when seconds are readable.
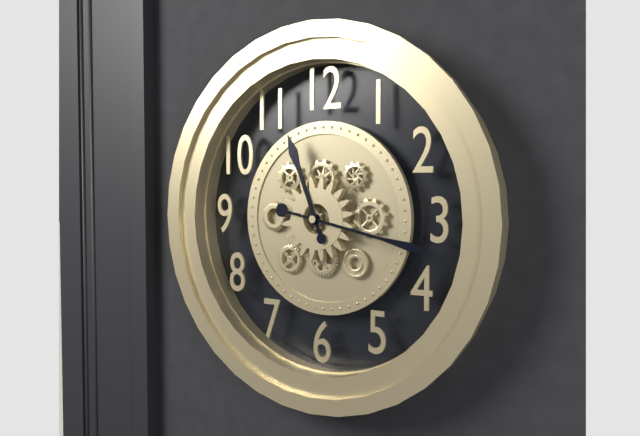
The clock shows 11.17
